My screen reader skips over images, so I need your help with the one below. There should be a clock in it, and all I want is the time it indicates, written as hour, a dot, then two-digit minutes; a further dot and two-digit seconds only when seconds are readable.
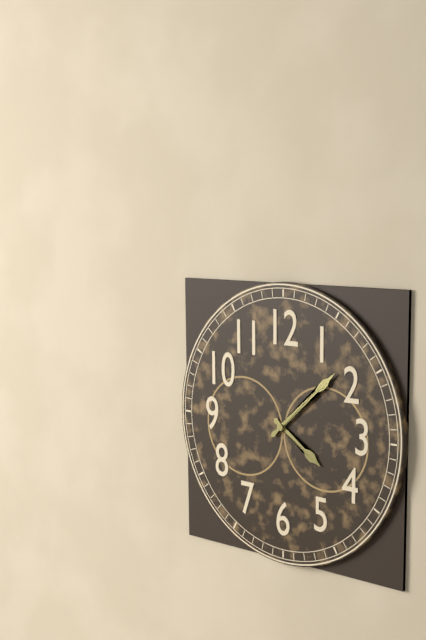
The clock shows 4.08
